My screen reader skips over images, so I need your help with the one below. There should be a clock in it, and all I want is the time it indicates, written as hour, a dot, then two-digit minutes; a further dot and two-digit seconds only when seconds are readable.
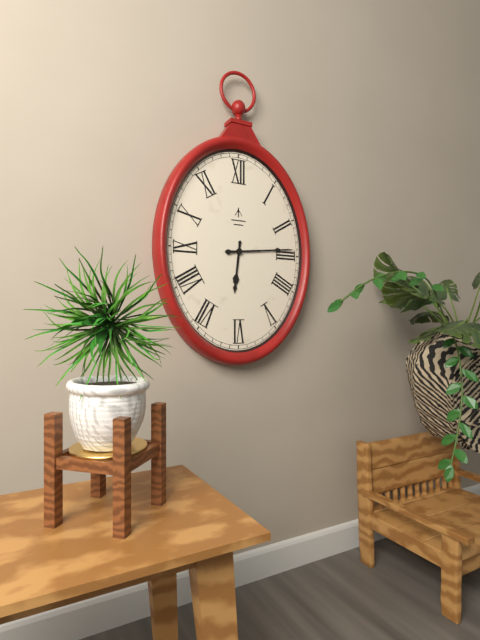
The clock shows 6.14
